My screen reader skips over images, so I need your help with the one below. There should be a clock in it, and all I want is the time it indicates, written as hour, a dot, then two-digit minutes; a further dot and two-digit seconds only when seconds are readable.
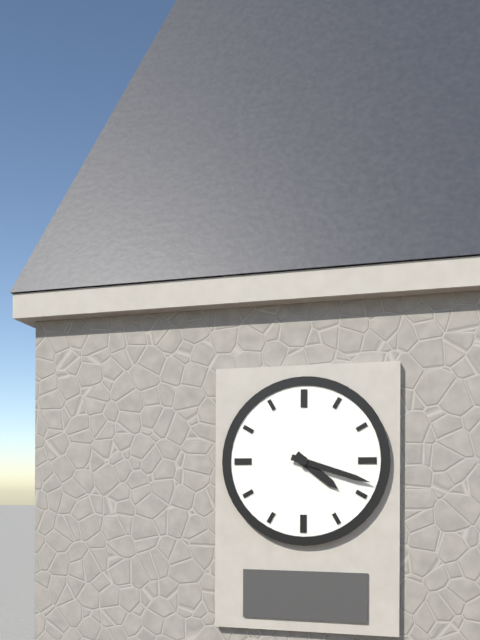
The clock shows 4.18
